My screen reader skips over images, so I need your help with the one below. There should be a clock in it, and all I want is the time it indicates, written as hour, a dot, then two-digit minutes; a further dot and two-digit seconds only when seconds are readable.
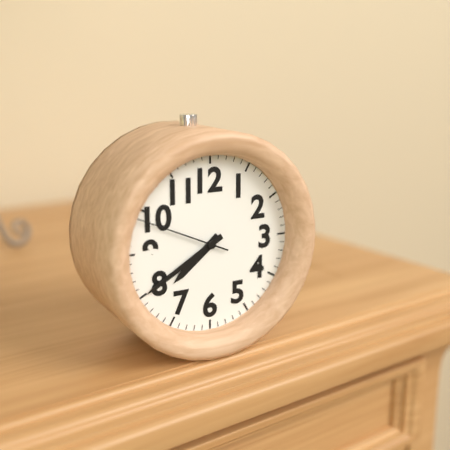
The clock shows 7.40.49
